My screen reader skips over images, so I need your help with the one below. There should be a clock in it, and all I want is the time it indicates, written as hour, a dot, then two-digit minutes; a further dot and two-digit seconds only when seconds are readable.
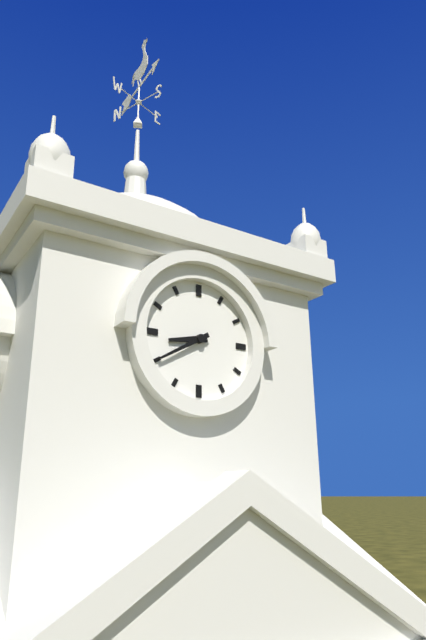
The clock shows 8.40
